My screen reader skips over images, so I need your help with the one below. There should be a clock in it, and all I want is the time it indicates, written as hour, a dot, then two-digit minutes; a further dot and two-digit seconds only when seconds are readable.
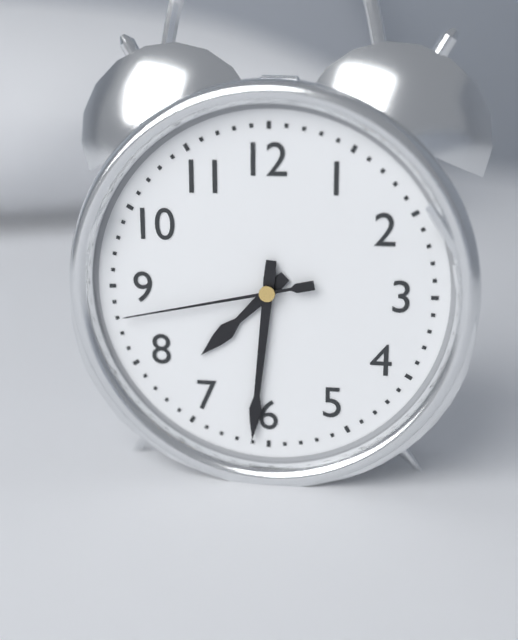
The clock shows 7.31.43
